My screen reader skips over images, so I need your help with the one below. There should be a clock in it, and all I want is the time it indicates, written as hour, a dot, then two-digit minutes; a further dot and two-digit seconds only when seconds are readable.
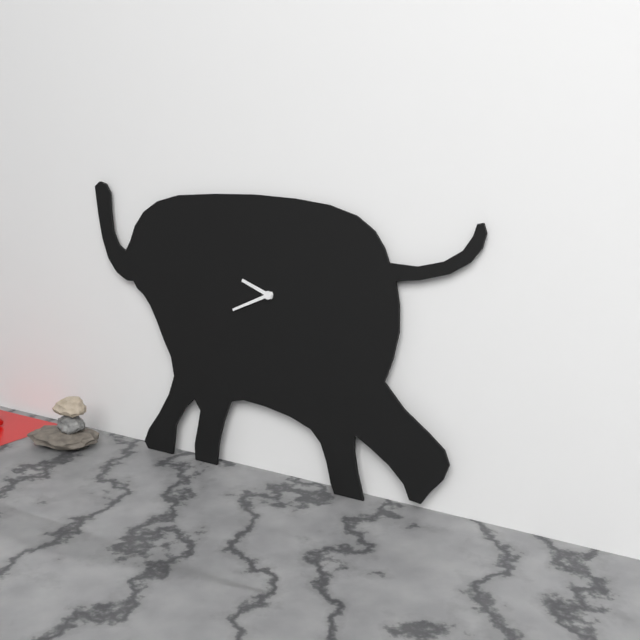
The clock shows 9.41
